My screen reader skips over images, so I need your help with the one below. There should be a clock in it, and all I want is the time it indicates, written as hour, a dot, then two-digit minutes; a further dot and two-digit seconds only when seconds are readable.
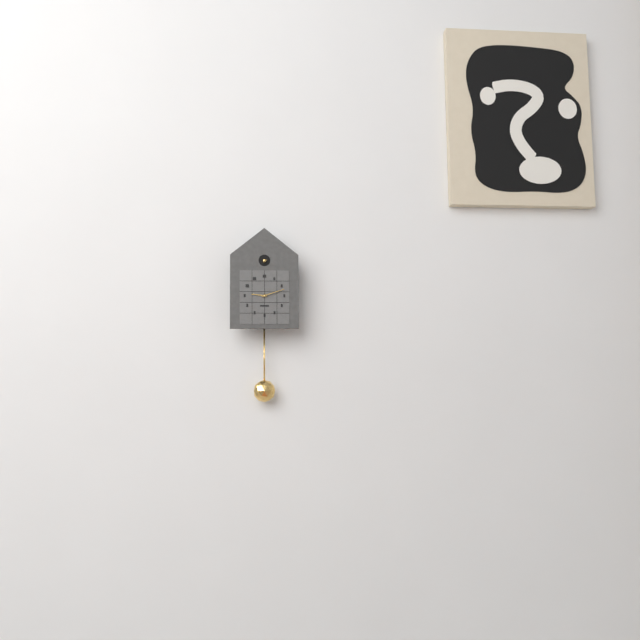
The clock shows 9.12
